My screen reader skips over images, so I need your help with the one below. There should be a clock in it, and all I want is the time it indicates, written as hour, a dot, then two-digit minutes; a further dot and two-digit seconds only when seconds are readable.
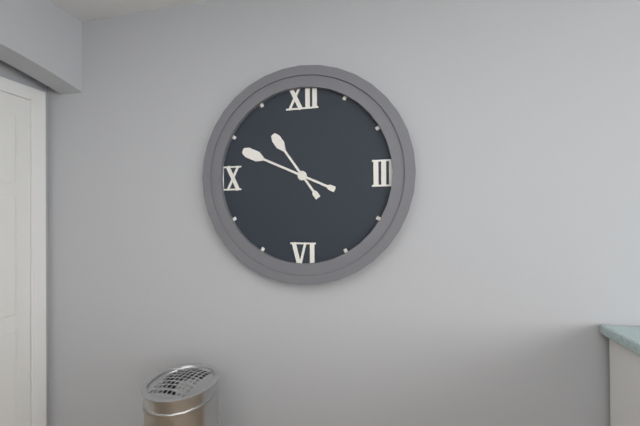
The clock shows 10.49
